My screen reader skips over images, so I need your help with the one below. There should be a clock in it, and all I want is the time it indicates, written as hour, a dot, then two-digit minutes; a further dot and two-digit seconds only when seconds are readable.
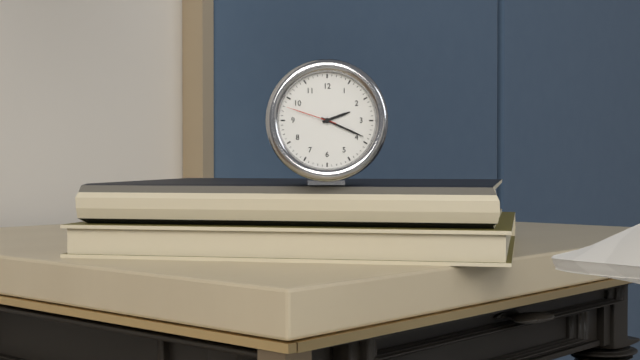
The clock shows 2.19.48
